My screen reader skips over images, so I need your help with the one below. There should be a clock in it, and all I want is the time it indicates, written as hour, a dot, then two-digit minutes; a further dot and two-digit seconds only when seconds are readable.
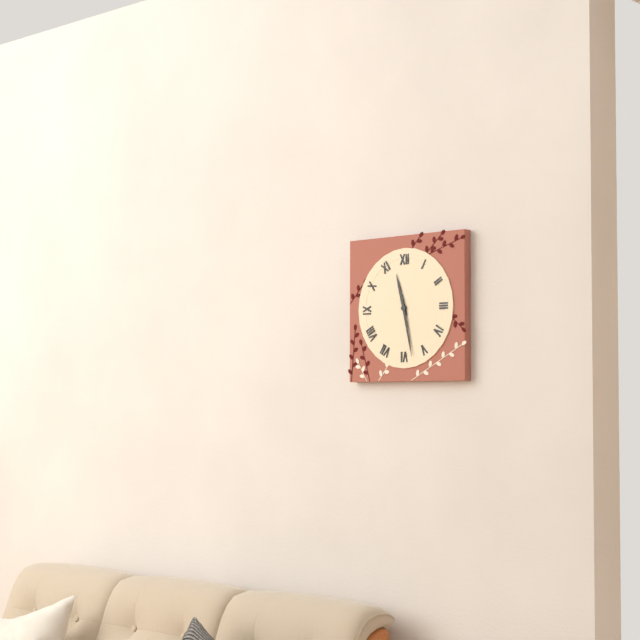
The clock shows 11.28
